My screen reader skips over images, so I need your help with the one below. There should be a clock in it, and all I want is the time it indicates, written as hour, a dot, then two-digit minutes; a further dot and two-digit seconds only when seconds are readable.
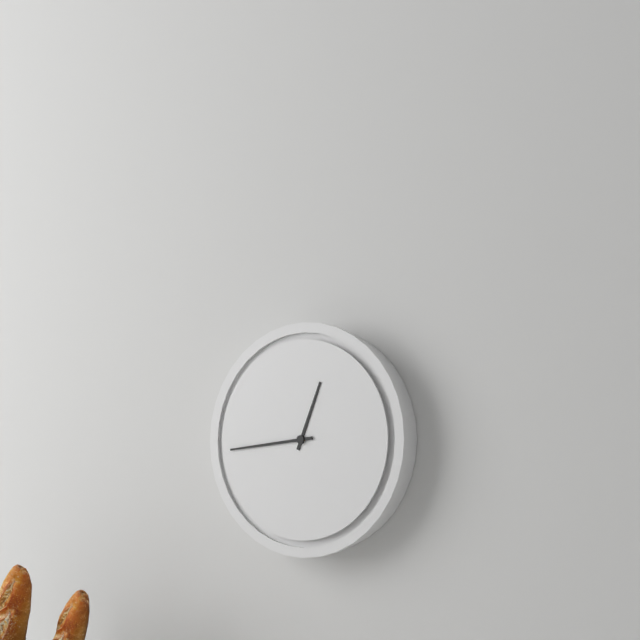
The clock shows 12.44
